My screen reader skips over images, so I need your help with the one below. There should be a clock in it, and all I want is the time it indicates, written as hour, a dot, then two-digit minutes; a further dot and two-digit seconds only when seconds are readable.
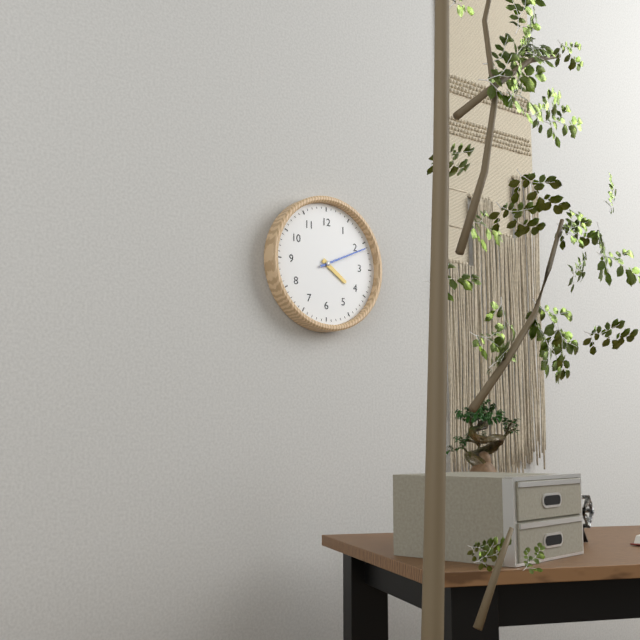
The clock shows 4.11
